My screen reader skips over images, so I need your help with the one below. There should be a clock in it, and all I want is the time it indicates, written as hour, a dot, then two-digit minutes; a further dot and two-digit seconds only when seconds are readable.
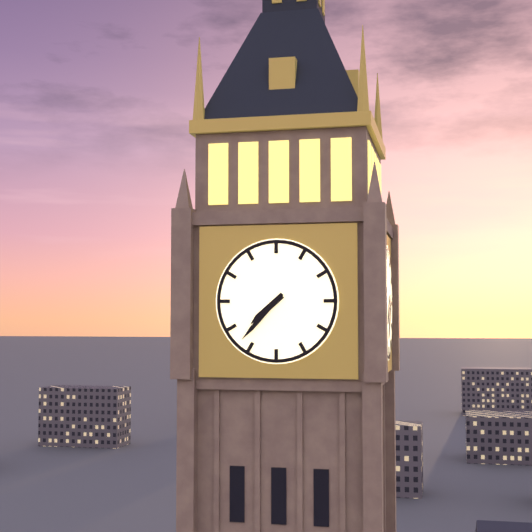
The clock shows 7.37
